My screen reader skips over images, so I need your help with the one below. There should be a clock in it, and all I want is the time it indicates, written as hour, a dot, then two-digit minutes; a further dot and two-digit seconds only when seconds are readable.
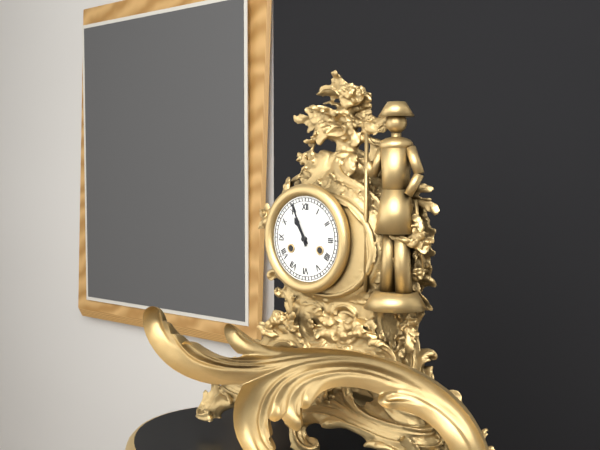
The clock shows 10.56
